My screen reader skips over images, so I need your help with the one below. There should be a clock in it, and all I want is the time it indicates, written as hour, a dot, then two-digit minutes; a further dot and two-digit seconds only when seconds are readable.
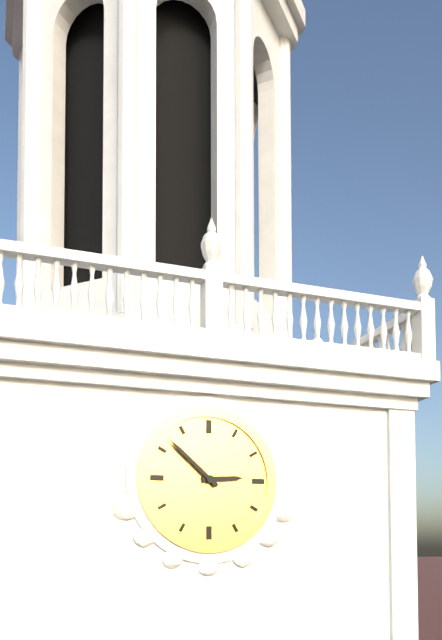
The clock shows 2.52
